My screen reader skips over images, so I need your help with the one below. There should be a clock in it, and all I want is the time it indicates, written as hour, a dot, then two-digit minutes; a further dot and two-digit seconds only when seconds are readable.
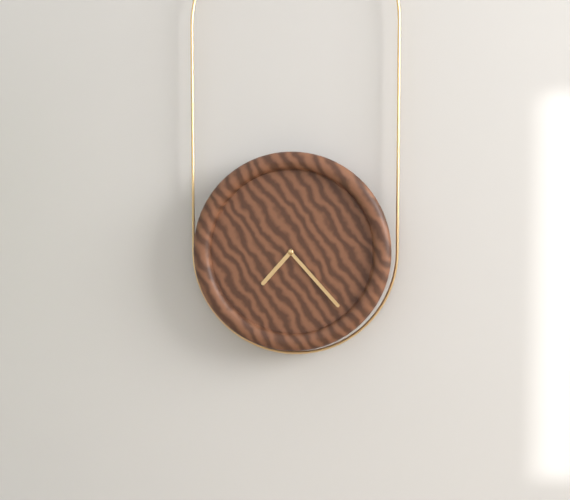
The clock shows 7.23
